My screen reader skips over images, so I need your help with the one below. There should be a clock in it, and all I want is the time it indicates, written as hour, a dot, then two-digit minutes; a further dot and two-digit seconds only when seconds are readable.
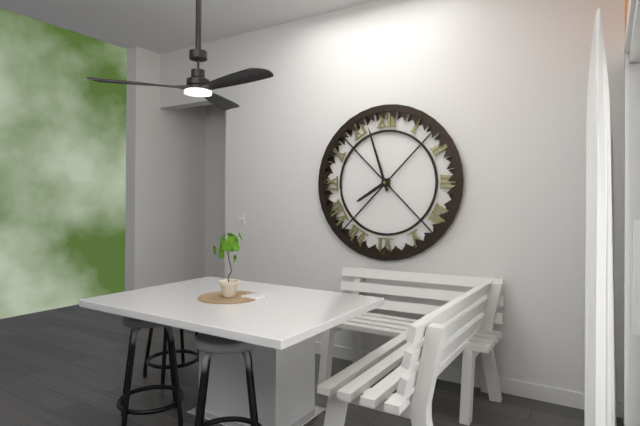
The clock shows 7.57
